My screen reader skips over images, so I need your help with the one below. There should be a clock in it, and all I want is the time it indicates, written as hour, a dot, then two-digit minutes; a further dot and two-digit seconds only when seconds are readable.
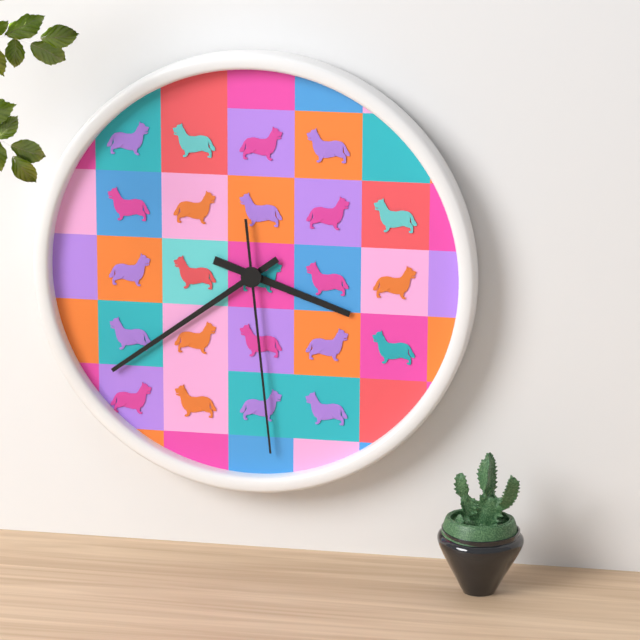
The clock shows 3.39.29
